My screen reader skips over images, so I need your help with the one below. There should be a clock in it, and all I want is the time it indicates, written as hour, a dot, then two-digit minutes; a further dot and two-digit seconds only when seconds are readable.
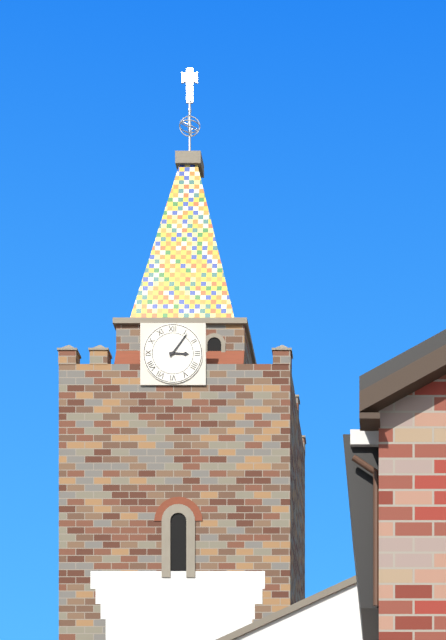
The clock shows 3.06
